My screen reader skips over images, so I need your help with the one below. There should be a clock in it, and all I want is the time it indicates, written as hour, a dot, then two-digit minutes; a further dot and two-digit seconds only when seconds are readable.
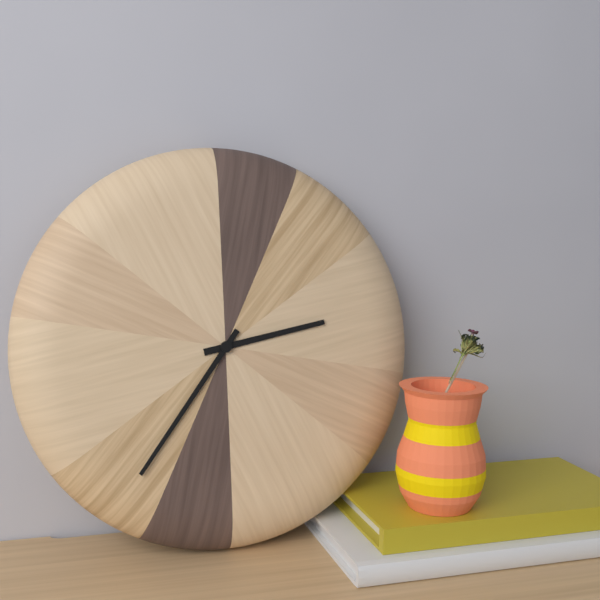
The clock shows 2.36
